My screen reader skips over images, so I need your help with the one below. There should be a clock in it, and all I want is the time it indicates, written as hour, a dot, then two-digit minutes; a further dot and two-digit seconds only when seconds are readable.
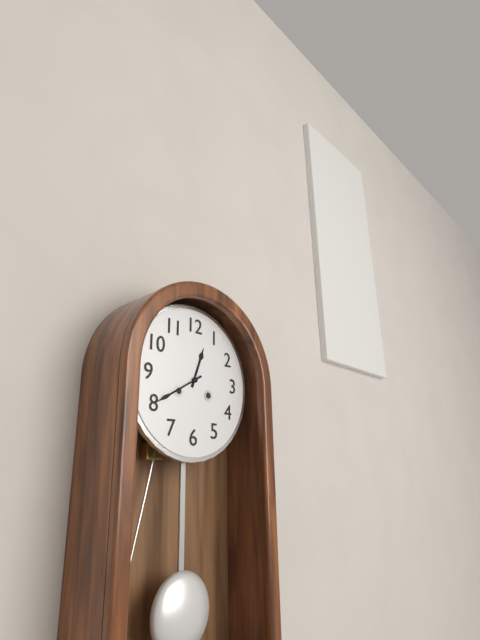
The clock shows 12.40
